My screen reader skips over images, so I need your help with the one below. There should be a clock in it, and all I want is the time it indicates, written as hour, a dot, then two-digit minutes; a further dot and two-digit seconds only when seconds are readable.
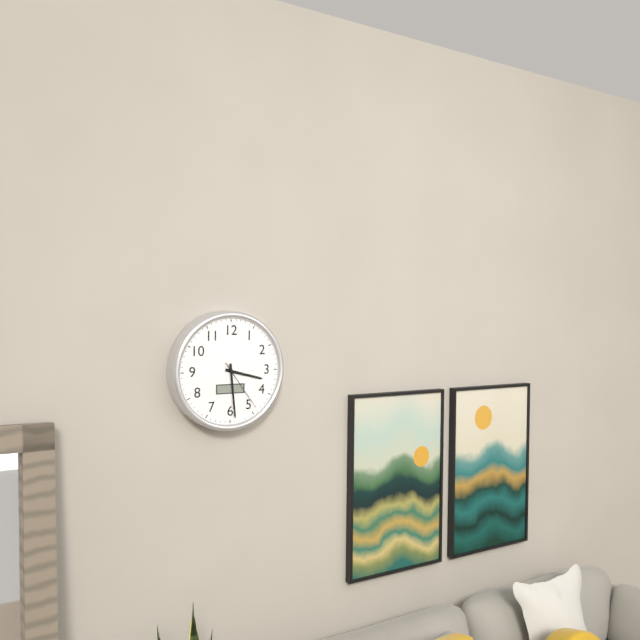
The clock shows 3.29.24
